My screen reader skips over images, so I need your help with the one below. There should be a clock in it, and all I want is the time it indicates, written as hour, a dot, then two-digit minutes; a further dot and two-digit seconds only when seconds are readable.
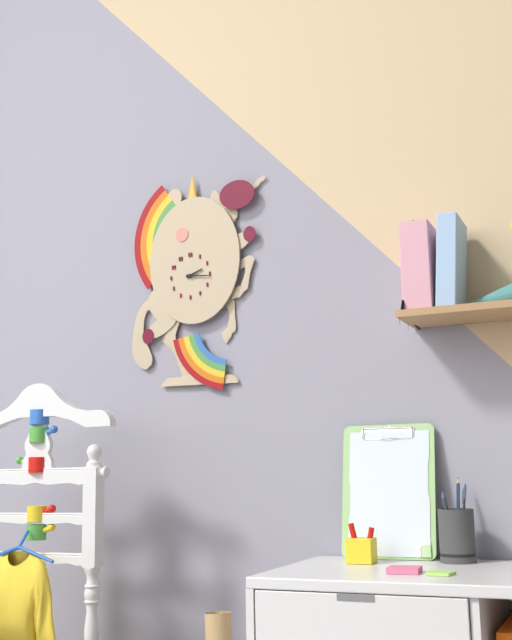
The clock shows 2.16
